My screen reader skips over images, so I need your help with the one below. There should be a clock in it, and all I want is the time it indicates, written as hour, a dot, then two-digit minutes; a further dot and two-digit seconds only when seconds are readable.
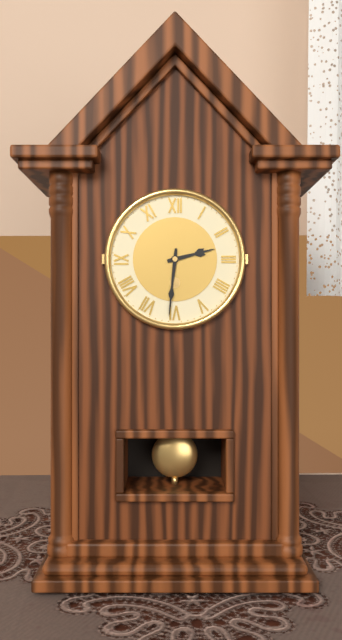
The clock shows 2.31
